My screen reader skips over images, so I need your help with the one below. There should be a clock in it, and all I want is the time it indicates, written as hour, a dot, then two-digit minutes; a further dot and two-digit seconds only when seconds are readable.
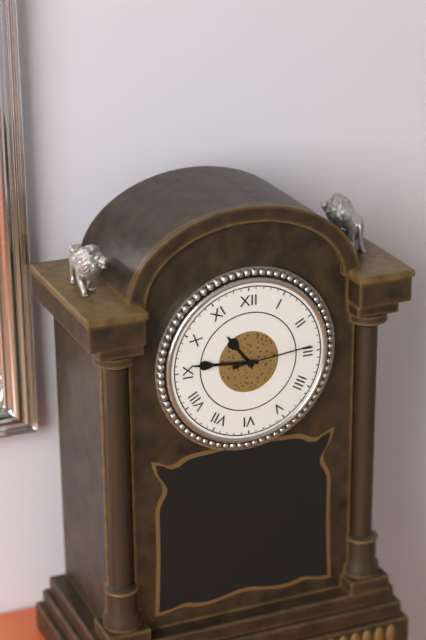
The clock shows 10.46.14
